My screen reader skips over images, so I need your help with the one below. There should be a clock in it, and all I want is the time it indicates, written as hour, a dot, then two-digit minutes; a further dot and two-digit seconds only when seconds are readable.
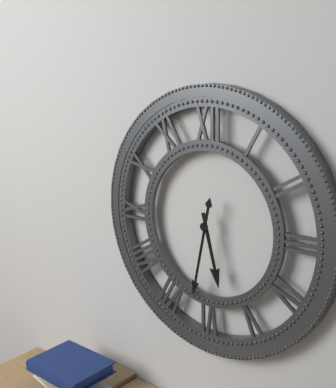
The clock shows 5.32
